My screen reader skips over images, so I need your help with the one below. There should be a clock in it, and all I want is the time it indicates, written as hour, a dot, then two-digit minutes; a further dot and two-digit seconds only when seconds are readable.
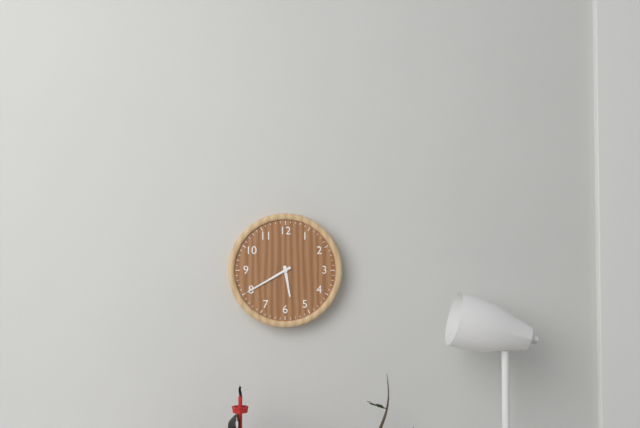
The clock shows 5.40
